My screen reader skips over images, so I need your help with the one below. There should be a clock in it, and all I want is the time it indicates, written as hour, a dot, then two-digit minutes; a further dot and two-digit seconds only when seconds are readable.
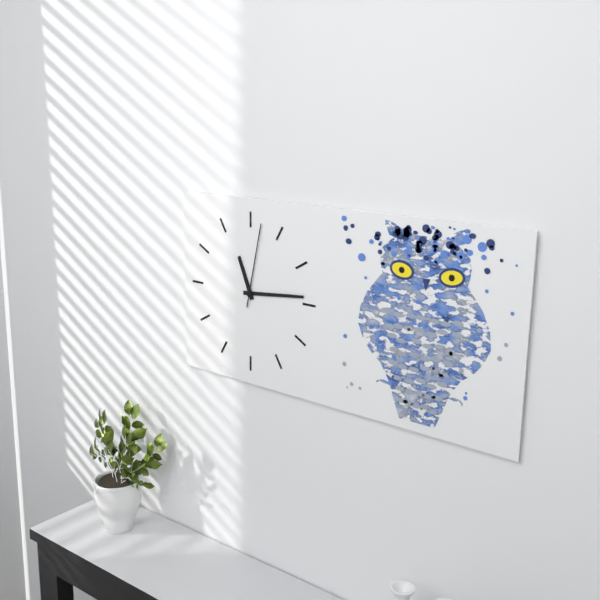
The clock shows 11.14.02
